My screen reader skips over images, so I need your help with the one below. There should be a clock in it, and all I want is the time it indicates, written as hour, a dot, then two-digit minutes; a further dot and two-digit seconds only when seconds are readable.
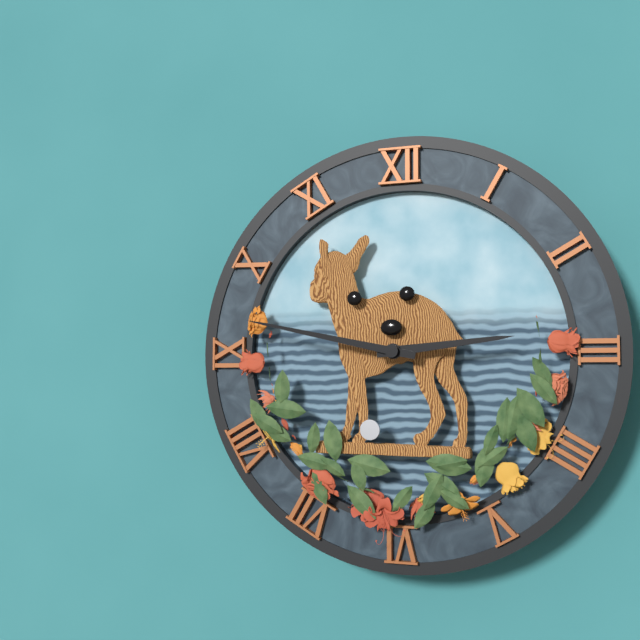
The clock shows 2.47
